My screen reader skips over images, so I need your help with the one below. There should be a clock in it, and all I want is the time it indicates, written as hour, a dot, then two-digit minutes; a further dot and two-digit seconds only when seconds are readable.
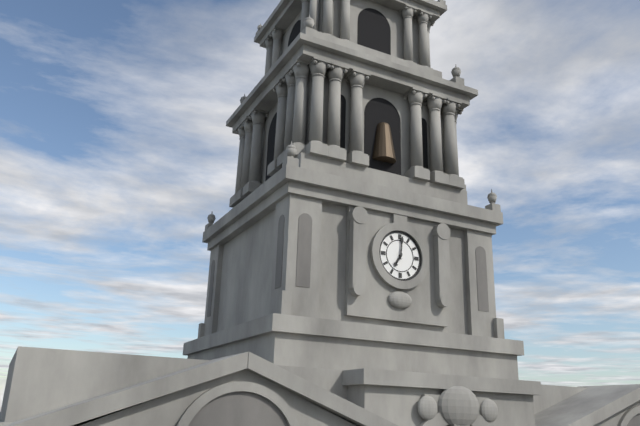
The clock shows 7.01
